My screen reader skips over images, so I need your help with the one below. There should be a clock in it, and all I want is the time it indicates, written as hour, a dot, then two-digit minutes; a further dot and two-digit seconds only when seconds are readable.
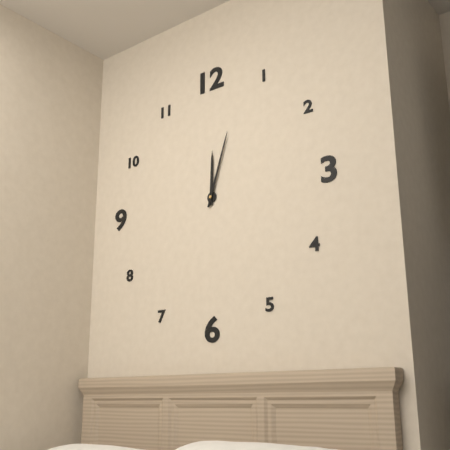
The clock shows 12.03
